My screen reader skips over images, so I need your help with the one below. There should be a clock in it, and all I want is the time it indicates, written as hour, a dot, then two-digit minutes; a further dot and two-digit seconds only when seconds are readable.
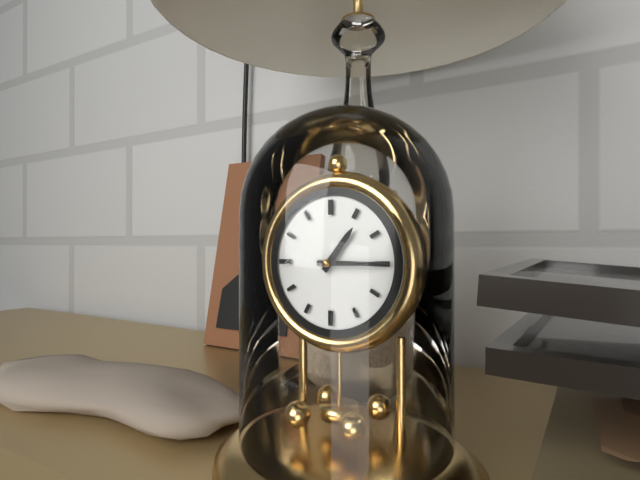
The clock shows 1.15
